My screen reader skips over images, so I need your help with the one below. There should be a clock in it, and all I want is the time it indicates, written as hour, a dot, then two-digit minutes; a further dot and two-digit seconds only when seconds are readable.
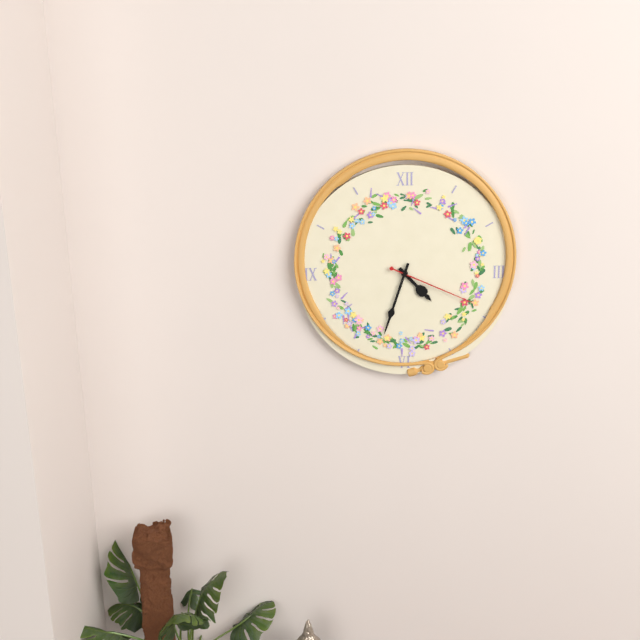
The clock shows 4.33.19
